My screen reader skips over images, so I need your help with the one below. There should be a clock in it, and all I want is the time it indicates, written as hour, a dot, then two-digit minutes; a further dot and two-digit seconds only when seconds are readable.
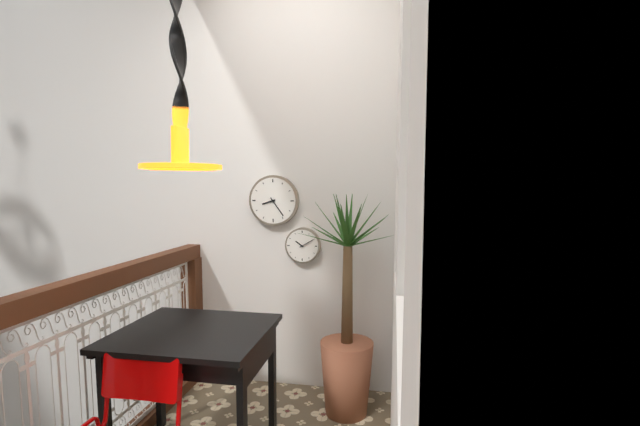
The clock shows 8.24
